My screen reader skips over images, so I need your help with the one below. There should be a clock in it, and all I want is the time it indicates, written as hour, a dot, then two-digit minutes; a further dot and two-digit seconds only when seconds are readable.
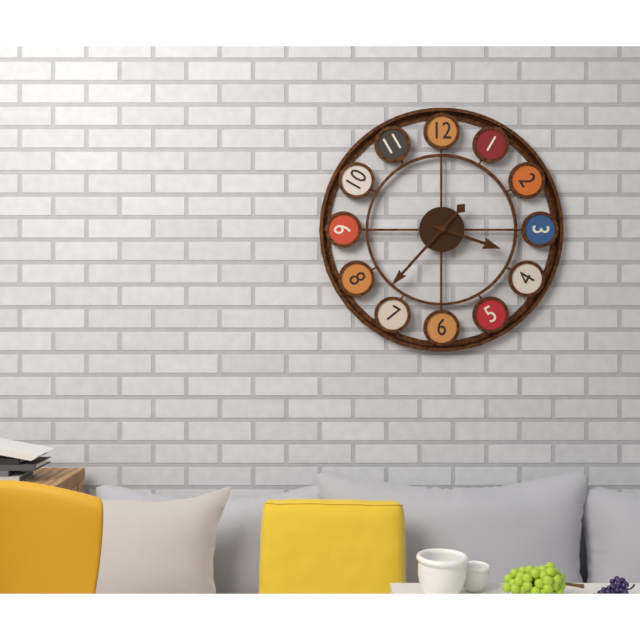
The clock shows 3.37
